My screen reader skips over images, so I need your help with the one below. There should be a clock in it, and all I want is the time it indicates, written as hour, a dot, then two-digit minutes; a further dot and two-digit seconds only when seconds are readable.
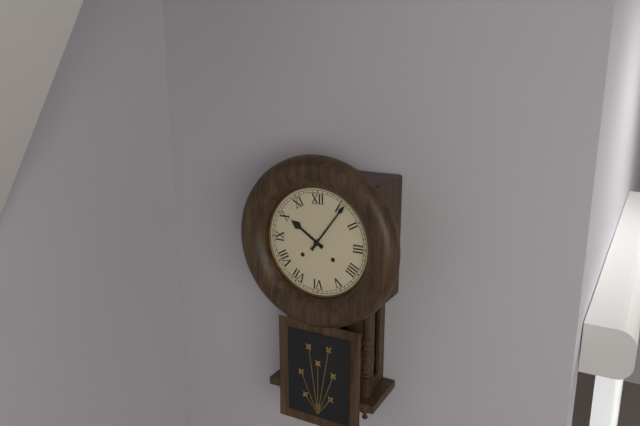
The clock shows 10.06
